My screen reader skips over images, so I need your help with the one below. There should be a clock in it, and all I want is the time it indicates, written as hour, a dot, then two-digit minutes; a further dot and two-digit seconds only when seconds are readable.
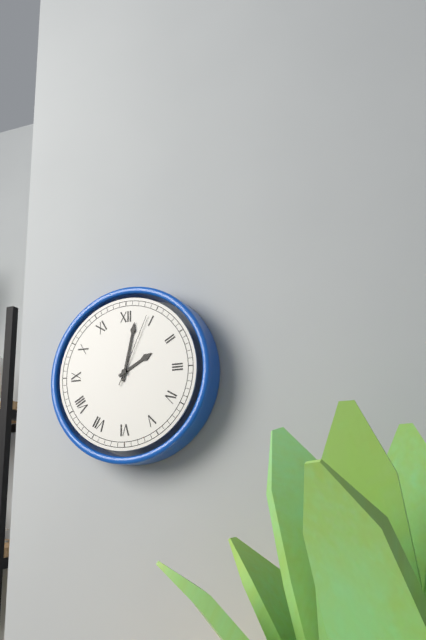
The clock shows 2.02.04
